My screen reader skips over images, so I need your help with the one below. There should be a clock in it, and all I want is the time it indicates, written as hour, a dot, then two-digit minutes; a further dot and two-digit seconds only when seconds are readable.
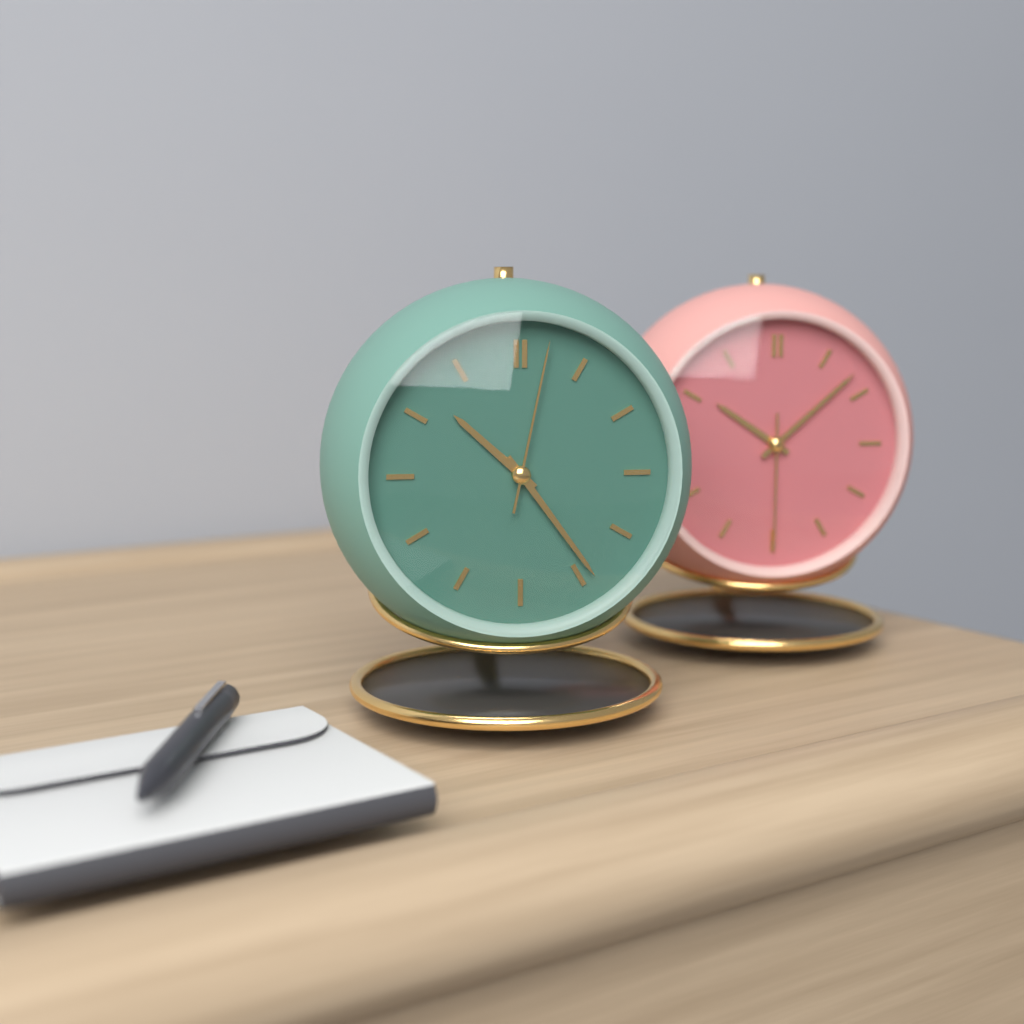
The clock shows 10.24.02
